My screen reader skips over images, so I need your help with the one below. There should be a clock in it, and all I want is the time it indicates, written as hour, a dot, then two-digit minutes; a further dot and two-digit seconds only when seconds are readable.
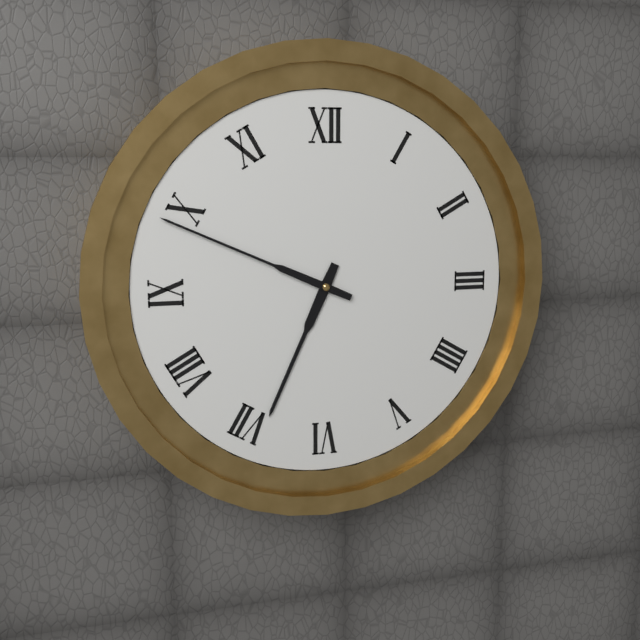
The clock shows 6.49
